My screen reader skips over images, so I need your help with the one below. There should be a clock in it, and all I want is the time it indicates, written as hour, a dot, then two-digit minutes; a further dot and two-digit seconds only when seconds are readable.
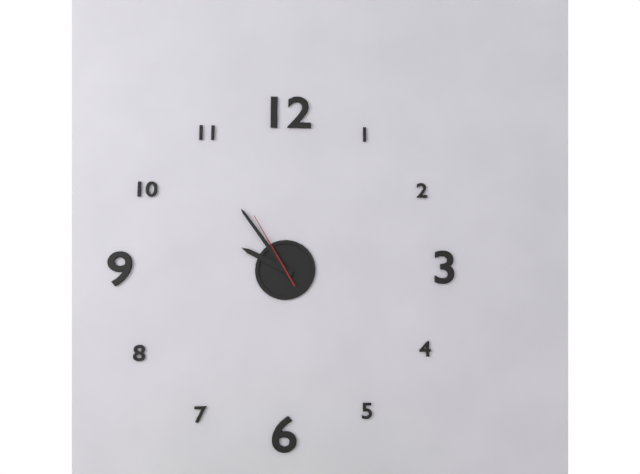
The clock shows 9.54.55
